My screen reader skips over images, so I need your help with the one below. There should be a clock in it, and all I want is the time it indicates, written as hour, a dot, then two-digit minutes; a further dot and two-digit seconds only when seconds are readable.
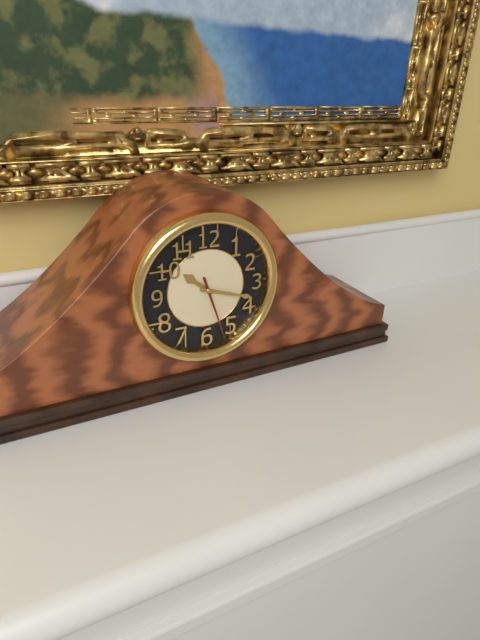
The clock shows 10.18.27
